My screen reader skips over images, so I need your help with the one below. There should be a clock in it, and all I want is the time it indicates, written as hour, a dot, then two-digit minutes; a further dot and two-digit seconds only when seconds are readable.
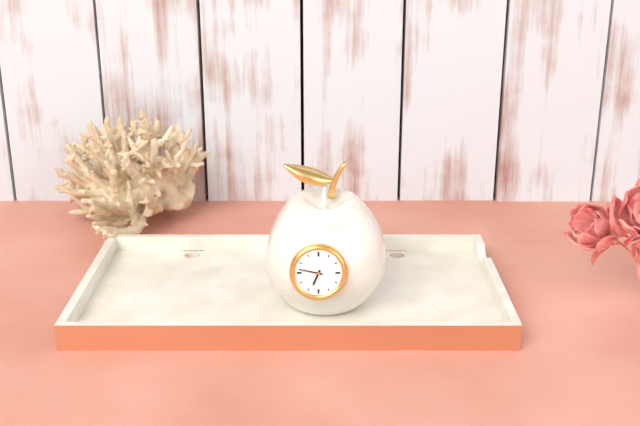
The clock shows 6.47
